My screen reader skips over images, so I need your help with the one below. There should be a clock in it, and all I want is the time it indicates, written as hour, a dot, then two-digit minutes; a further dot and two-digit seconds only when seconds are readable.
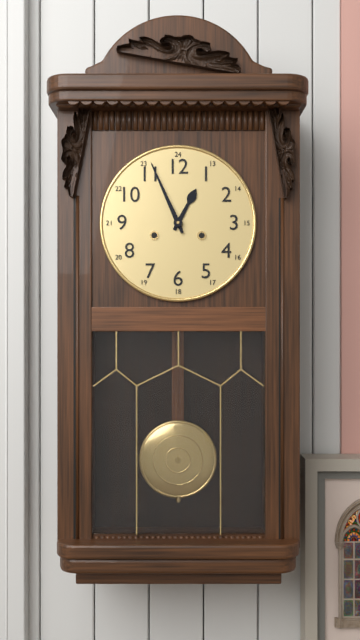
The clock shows 12.56
